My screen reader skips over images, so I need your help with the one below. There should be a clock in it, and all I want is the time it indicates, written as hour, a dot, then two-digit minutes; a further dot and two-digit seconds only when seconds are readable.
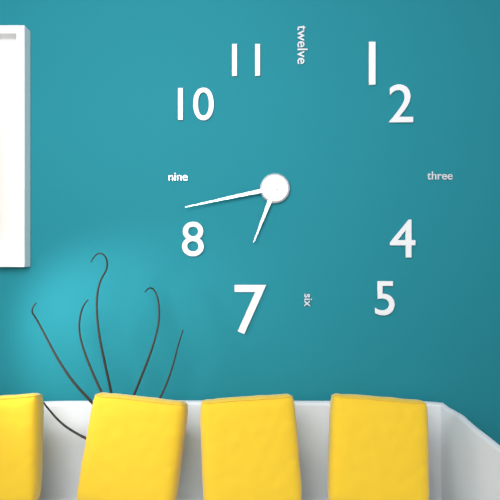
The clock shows 6.43
